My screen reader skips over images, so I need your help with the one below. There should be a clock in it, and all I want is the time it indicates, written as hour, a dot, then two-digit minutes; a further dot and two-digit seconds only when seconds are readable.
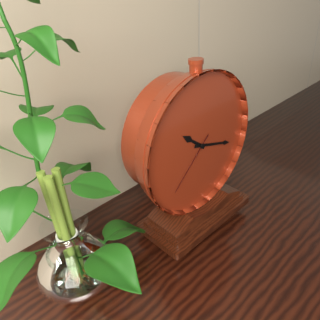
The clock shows 10.18.38
